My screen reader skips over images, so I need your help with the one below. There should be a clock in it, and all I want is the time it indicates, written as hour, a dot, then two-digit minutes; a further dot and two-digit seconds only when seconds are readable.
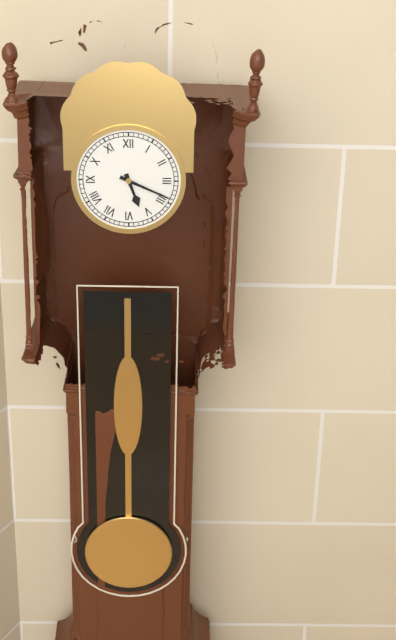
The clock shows 5.19
